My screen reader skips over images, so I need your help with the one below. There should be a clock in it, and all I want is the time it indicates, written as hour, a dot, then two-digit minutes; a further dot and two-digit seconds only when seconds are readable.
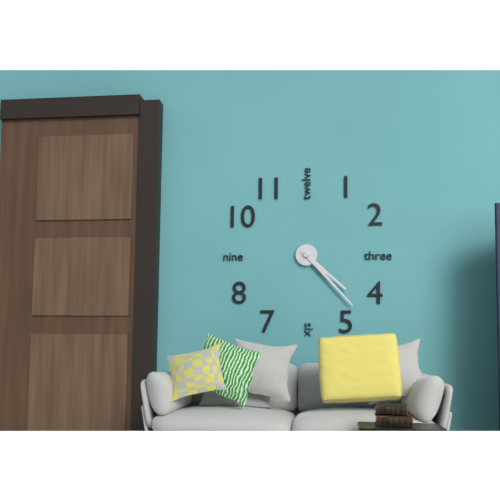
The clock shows 4.23
